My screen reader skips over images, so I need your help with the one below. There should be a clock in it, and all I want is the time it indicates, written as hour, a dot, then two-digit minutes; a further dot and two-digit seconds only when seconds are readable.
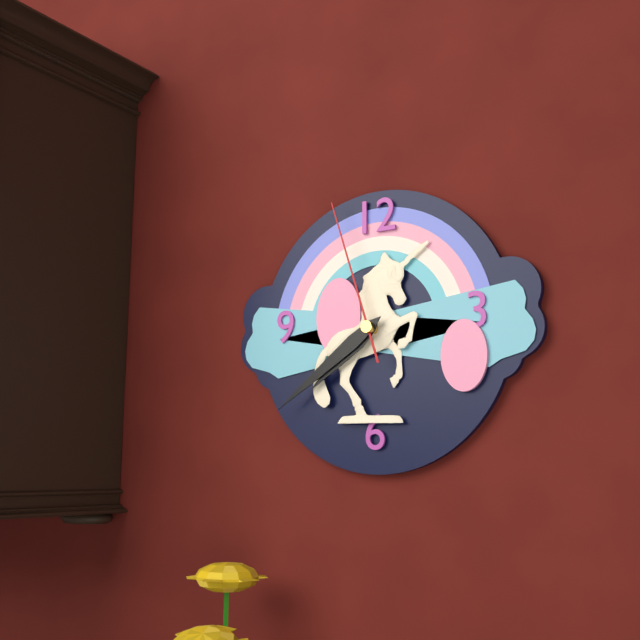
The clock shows 7.39.57
